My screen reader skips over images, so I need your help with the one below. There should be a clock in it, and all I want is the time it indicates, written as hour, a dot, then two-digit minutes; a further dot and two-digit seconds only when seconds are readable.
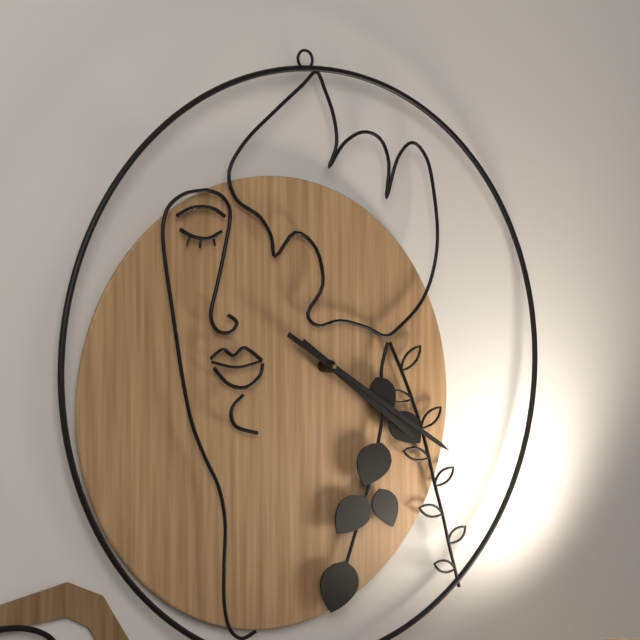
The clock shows 4.21
